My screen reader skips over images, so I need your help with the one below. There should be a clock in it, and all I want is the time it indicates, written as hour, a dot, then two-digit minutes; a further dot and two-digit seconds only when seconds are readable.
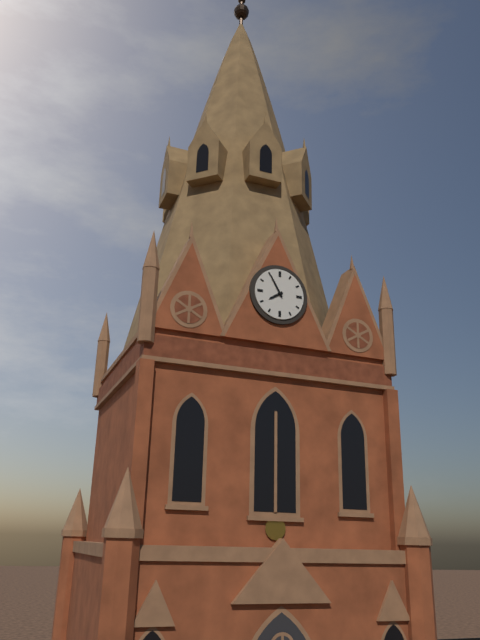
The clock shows 7.55
